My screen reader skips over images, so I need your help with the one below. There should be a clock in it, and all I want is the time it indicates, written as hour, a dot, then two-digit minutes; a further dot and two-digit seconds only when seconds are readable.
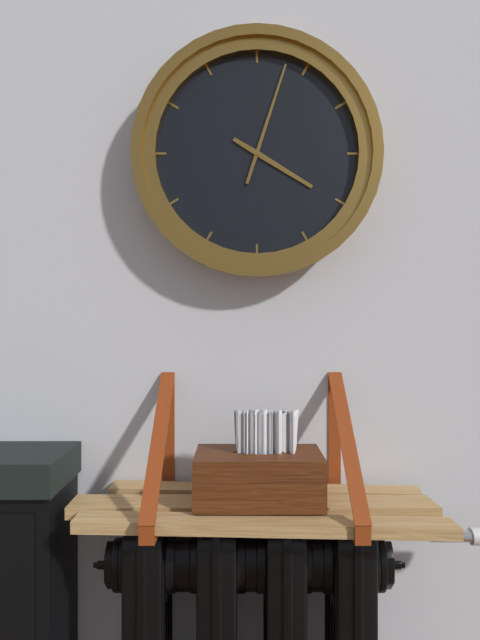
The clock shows 4.03
